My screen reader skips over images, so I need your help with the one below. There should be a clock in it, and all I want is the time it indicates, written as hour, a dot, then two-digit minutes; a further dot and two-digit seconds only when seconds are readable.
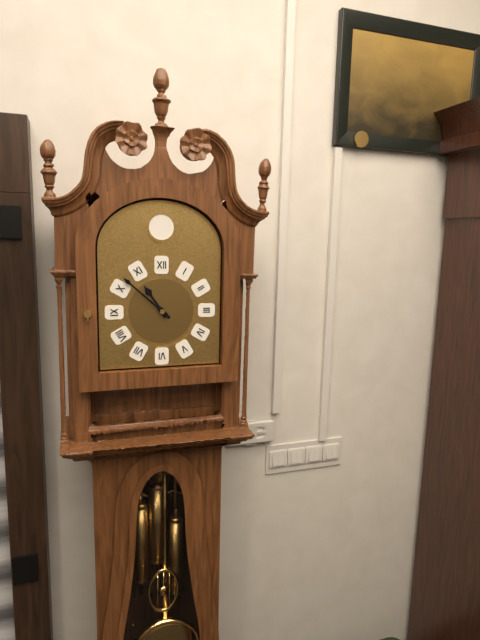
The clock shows 10.52
